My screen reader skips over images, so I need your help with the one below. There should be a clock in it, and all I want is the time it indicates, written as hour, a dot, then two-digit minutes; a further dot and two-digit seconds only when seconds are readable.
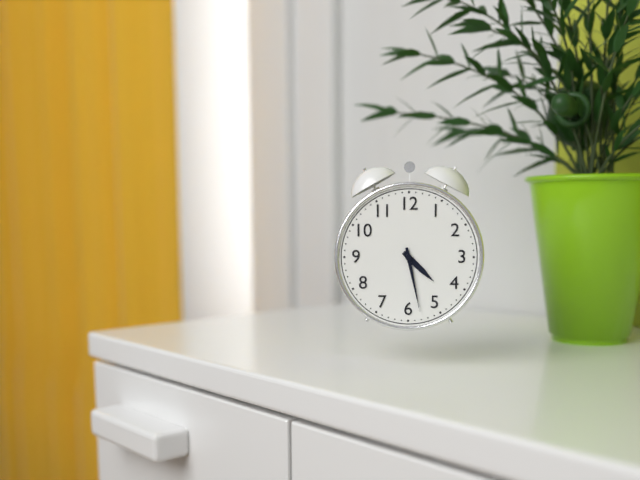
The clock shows 4.28
